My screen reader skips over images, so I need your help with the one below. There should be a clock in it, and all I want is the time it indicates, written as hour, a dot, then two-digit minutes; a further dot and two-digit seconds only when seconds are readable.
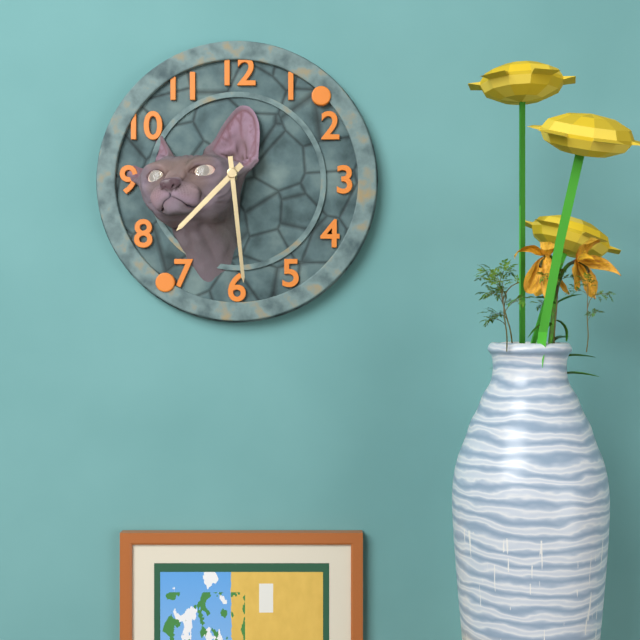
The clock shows 7.29
